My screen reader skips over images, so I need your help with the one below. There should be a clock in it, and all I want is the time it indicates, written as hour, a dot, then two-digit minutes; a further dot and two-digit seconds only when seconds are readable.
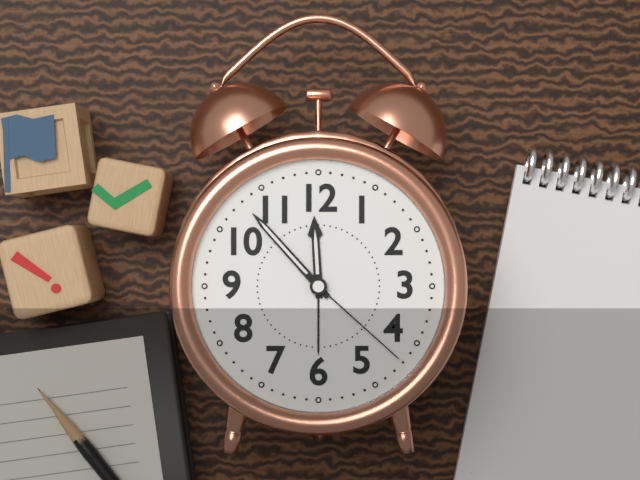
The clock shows 11.53.22
